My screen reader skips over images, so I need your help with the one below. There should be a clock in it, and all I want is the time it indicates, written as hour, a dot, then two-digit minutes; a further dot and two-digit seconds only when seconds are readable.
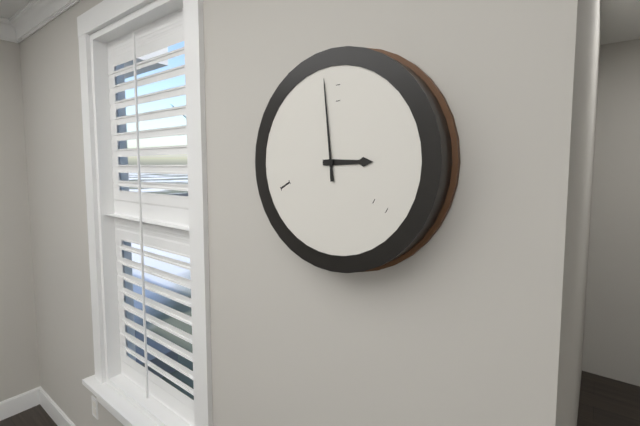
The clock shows 2.59
